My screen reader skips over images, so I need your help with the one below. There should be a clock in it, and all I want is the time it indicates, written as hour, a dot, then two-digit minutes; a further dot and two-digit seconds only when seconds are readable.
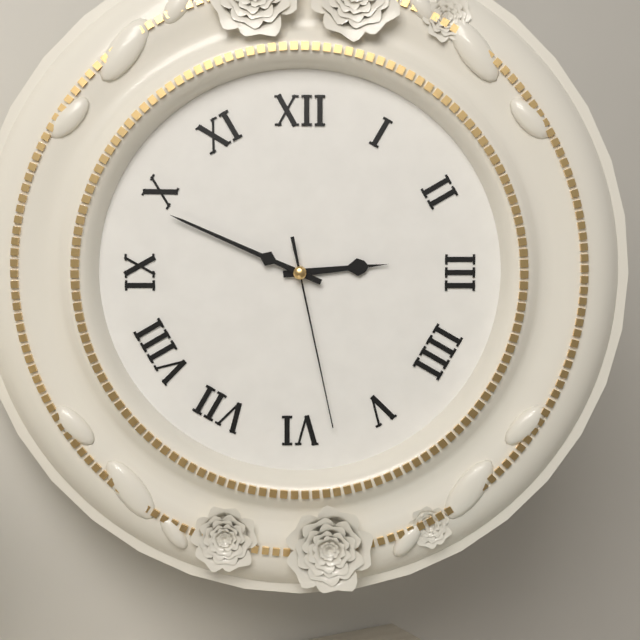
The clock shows 2.49.28
